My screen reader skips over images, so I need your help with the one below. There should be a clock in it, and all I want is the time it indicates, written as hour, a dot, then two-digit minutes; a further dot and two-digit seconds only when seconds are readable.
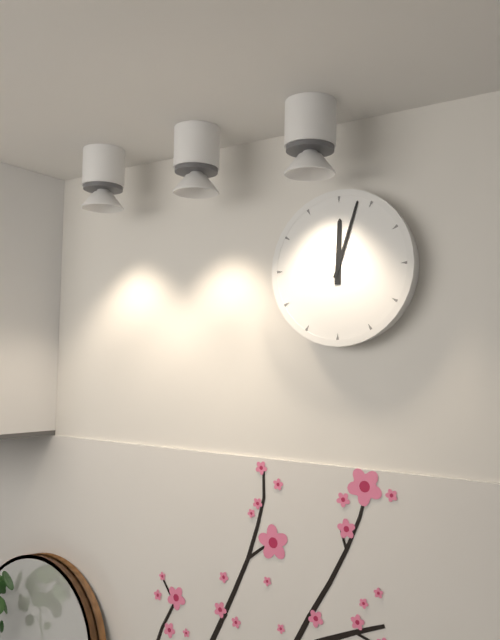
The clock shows 12.03
